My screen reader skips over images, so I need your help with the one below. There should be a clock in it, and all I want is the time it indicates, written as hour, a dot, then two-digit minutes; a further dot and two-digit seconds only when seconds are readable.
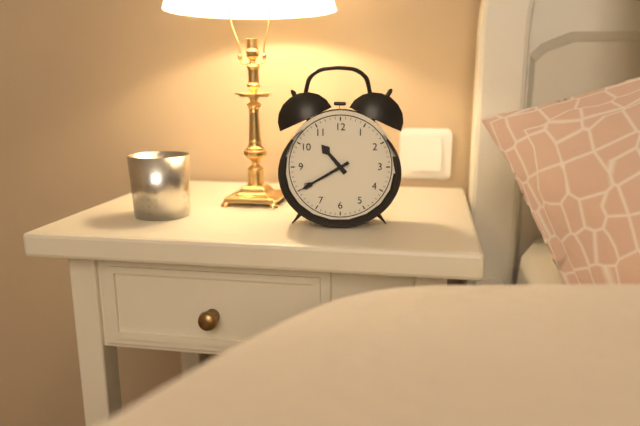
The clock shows 10.40
